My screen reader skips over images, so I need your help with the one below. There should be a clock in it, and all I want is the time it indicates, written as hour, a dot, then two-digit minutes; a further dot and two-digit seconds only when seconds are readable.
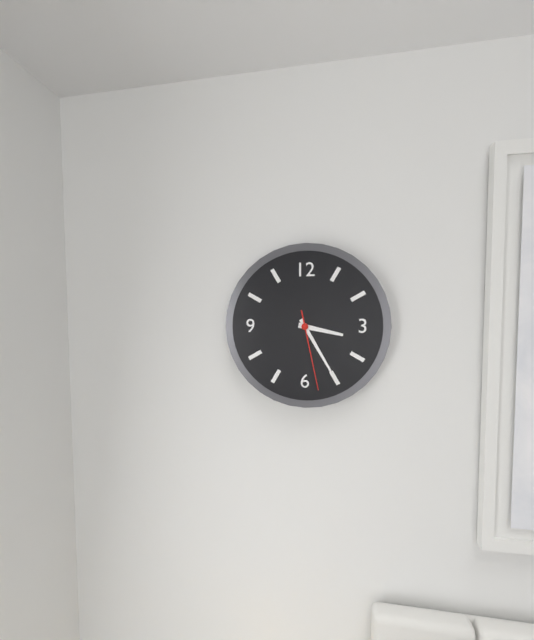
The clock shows 3.25.28
